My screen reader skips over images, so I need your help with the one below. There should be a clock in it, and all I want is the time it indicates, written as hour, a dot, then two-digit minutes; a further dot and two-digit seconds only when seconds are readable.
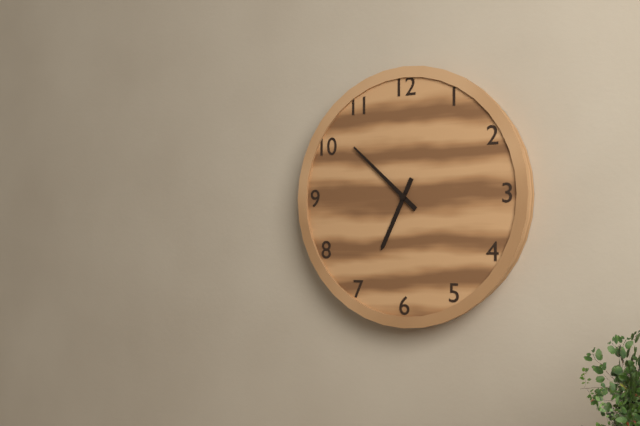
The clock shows 6.52
